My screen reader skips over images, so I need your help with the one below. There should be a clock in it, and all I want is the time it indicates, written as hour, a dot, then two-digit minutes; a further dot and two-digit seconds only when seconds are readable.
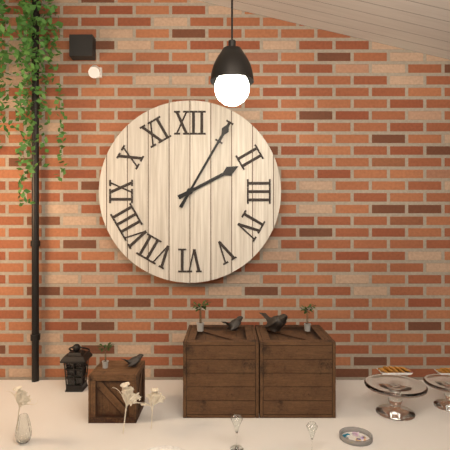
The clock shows 2.05
